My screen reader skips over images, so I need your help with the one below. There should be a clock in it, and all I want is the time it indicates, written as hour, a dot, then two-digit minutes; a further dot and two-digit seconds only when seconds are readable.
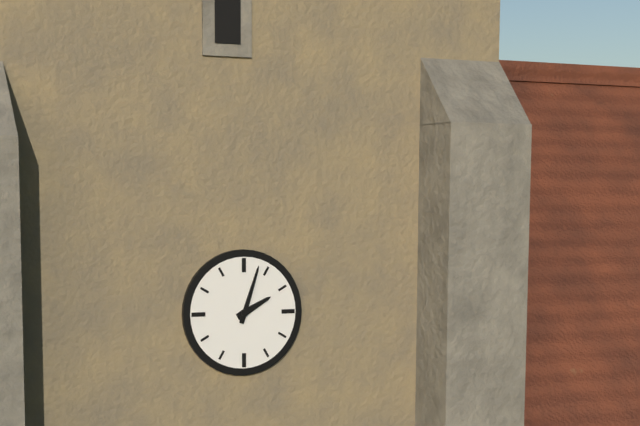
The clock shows 2.03
